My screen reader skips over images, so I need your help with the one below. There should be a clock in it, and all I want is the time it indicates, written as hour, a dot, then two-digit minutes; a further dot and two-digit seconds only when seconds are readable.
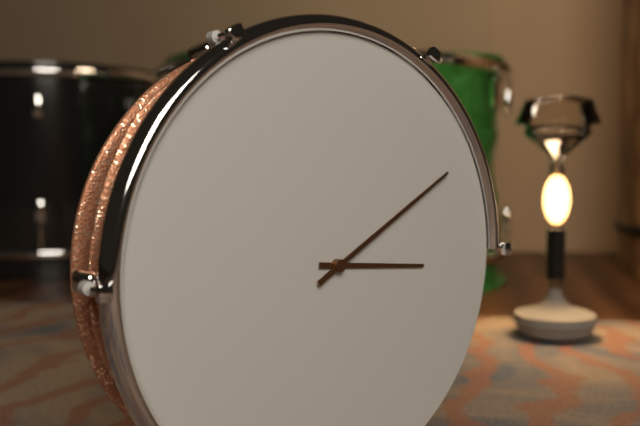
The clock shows 3.10
